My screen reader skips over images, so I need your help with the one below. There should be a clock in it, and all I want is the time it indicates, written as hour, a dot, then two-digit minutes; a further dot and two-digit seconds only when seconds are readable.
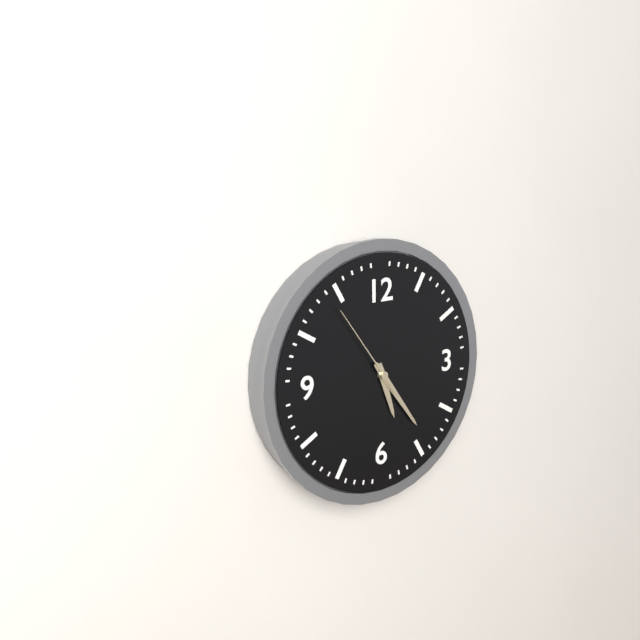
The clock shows 5.24.54
